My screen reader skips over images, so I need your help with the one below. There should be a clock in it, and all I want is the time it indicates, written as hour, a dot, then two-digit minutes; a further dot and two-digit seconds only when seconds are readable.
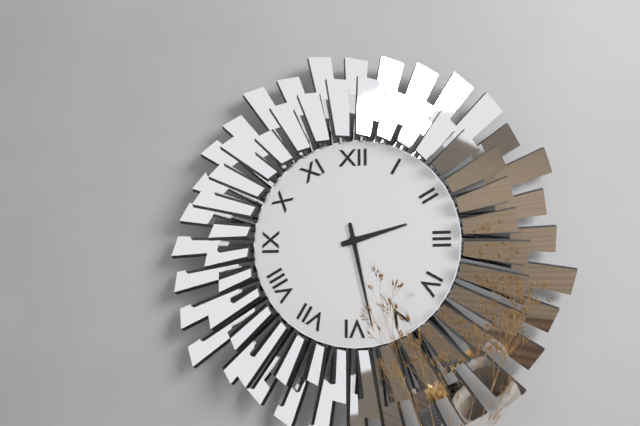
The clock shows 2.28
